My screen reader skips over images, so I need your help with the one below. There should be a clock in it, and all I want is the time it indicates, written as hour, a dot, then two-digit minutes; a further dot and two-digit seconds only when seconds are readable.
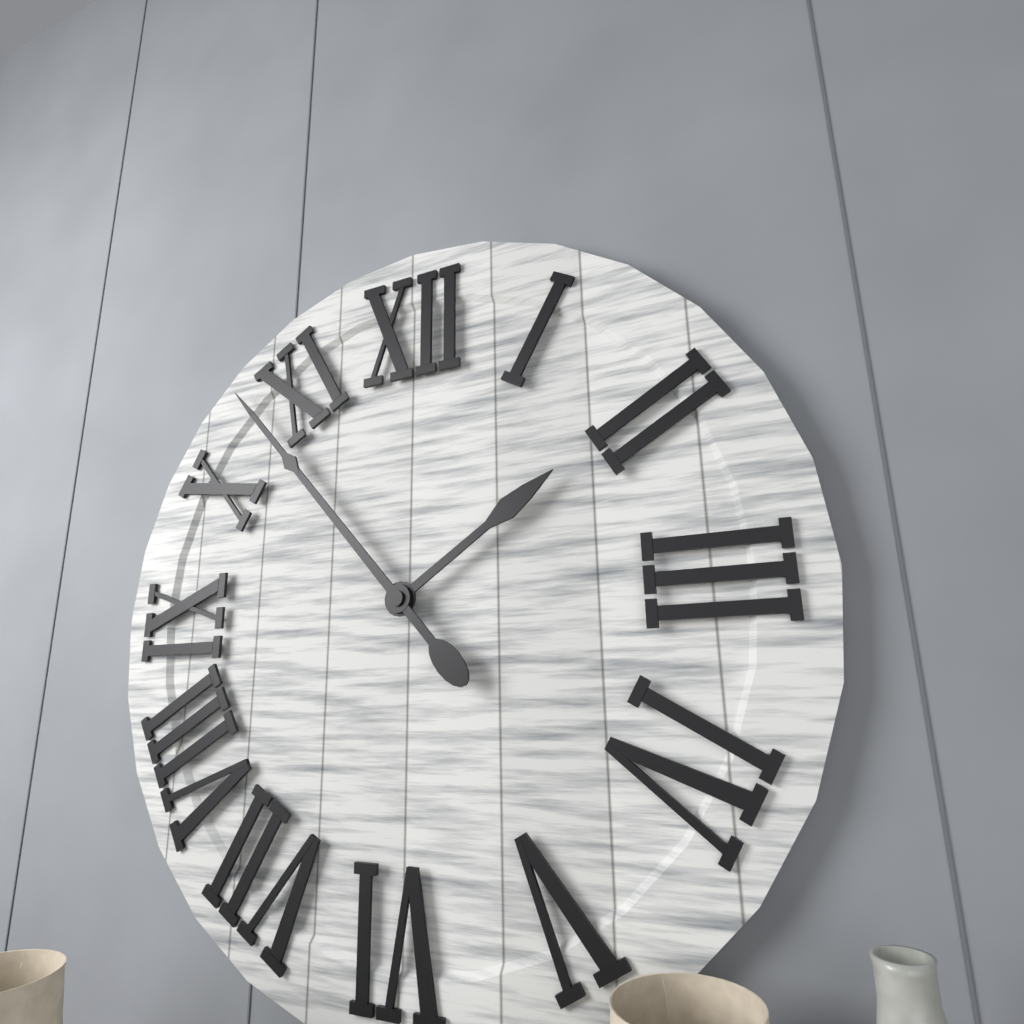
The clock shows 1.53
